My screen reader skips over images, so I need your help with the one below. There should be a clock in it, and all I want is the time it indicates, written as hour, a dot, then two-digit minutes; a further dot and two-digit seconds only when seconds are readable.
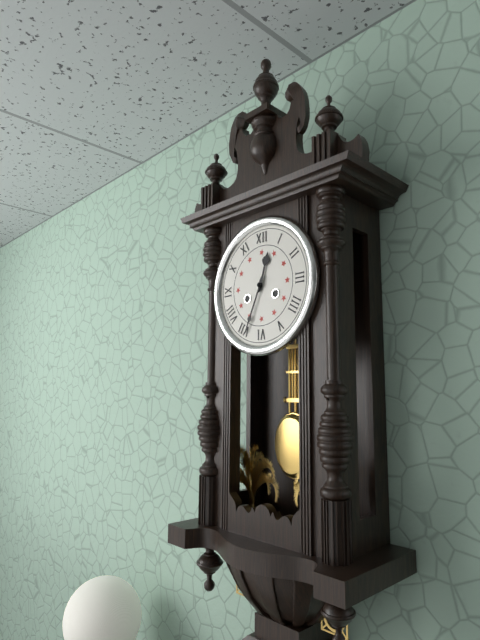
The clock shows 12.34
